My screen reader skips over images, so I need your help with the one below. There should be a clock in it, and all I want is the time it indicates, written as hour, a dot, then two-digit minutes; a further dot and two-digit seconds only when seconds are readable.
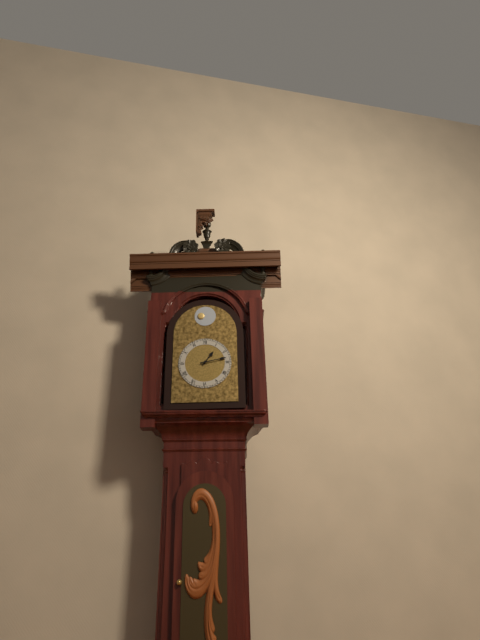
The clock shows 1.13
